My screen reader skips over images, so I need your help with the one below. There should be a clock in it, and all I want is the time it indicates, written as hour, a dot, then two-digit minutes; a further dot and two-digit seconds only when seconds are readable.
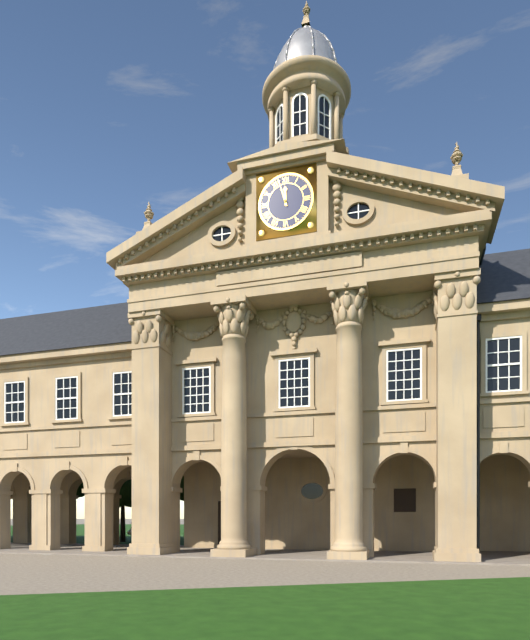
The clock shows 11.57
